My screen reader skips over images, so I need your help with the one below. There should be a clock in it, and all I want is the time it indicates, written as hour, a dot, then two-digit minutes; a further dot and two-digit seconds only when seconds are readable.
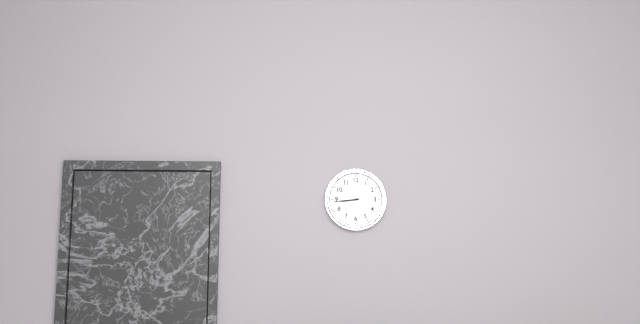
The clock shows 8.44
